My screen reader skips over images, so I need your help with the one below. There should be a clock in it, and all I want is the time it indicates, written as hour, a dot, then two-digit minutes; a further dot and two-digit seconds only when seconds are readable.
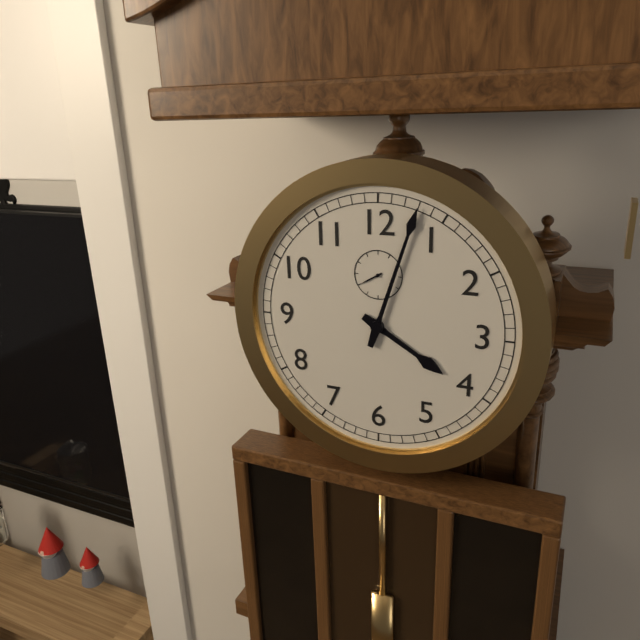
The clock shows 4.03
